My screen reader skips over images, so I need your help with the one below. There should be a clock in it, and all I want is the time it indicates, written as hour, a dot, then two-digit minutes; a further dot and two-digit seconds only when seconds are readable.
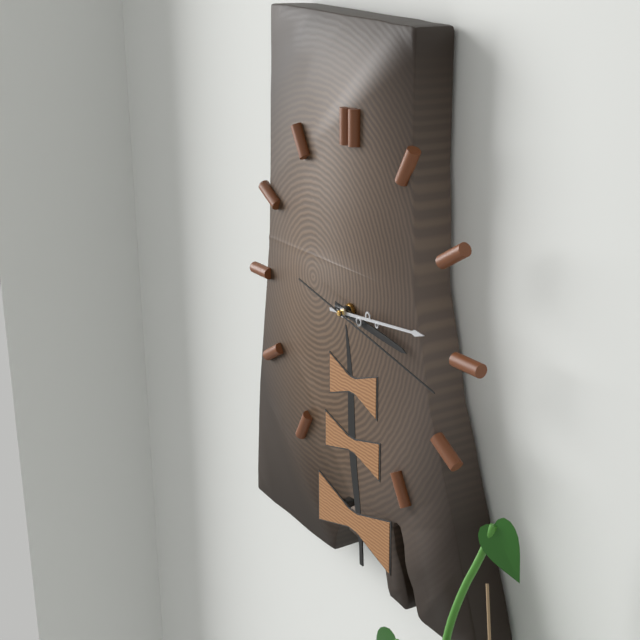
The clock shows 3.14.17
